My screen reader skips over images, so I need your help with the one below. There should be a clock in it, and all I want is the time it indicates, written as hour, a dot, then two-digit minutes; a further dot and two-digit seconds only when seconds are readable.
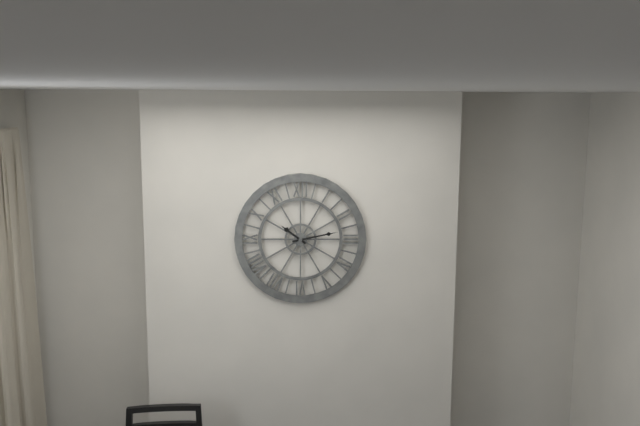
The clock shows 10.13
